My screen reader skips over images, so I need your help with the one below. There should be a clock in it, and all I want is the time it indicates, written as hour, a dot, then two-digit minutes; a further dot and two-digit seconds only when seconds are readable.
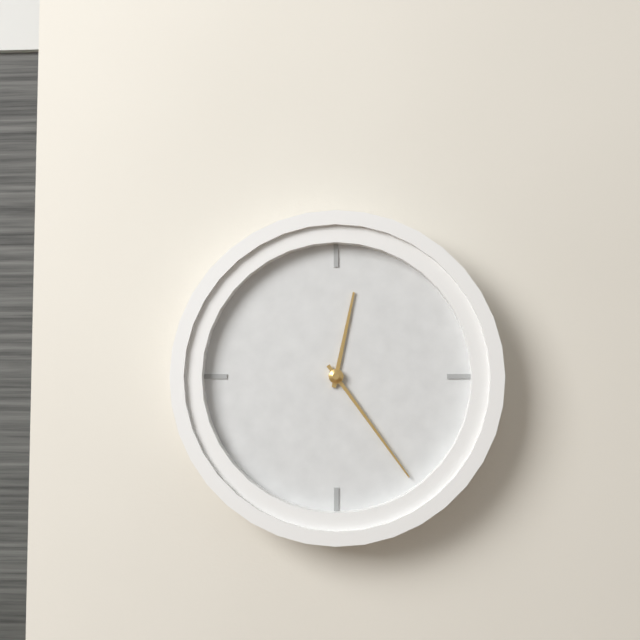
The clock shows 12.24
